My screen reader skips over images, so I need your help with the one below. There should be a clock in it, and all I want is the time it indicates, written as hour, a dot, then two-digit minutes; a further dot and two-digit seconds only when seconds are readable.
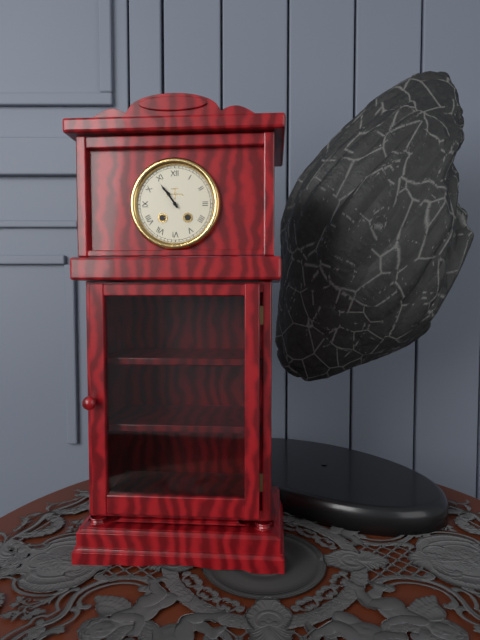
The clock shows 10.54
